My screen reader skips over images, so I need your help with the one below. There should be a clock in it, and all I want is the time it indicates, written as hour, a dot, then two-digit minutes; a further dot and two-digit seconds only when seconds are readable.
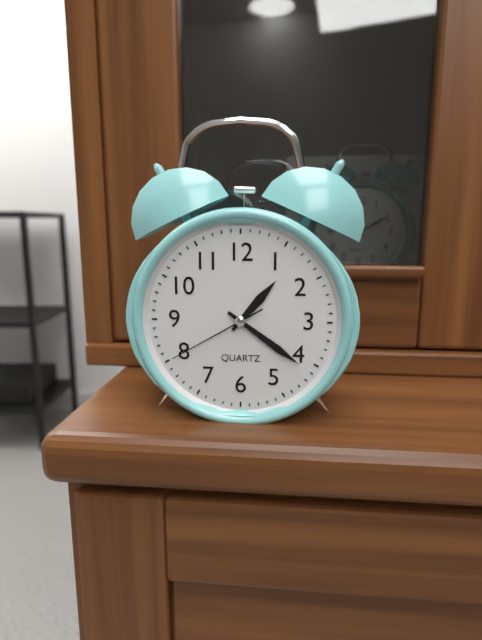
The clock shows 1.21.40
